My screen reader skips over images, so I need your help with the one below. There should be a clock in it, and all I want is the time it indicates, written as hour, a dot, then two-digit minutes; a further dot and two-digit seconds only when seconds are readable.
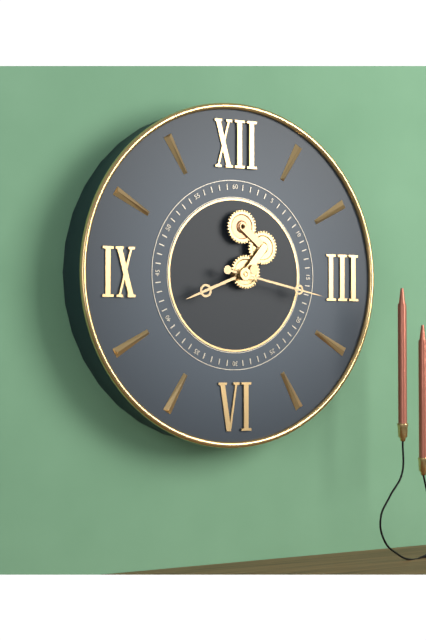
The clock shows 8.17
